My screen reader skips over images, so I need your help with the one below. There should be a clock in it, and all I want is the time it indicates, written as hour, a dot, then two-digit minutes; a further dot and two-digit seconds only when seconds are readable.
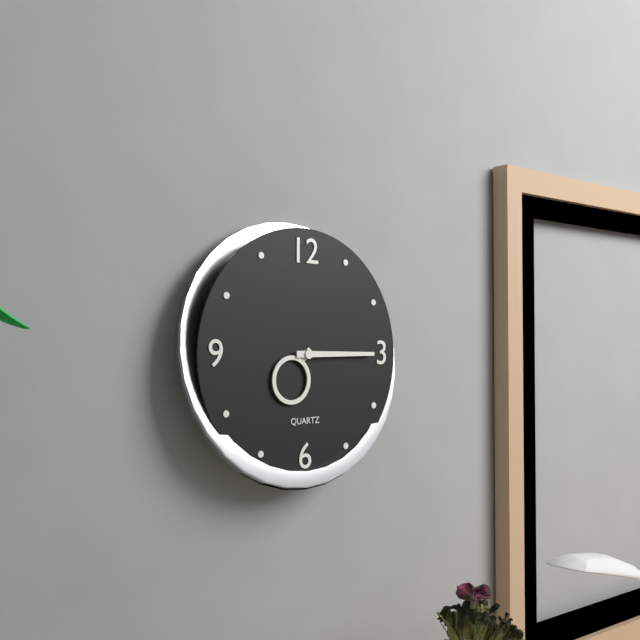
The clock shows 7.15
